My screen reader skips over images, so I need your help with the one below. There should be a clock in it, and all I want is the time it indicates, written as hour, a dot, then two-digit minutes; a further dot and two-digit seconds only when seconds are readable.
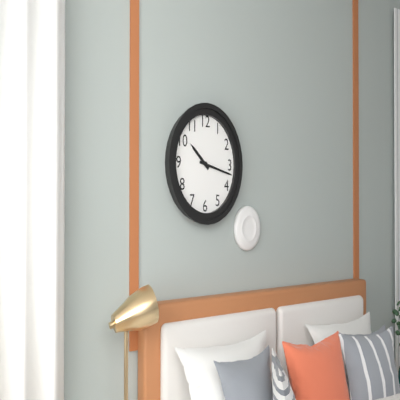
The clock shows 10.17
